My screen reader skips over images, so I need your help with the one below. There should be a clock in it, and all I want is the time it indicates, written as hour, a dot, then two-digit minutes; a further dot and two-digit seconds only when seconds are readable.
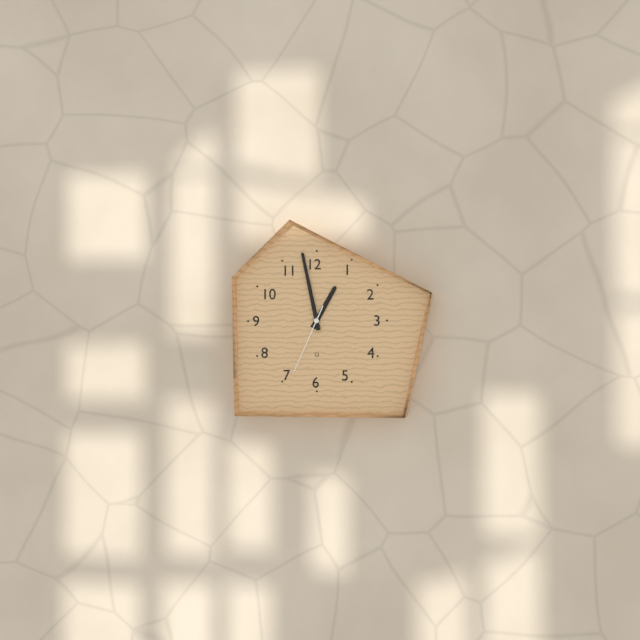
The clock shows 12.58.34
